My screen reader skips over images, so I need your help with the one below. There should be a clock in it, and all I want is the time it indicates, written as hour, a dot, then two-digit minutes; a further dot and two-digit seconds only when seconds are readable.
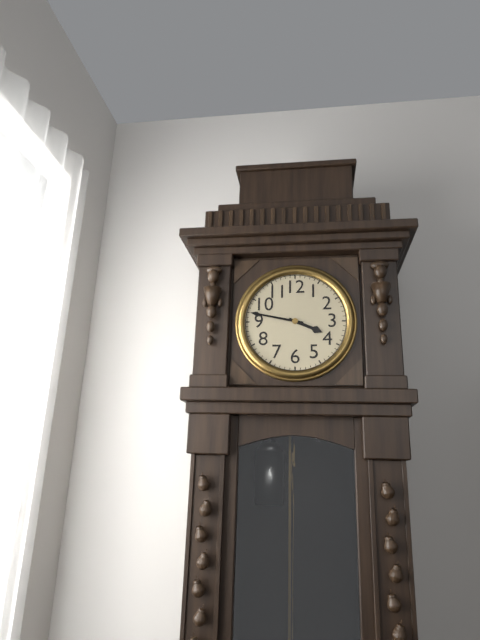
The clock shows 3.47
